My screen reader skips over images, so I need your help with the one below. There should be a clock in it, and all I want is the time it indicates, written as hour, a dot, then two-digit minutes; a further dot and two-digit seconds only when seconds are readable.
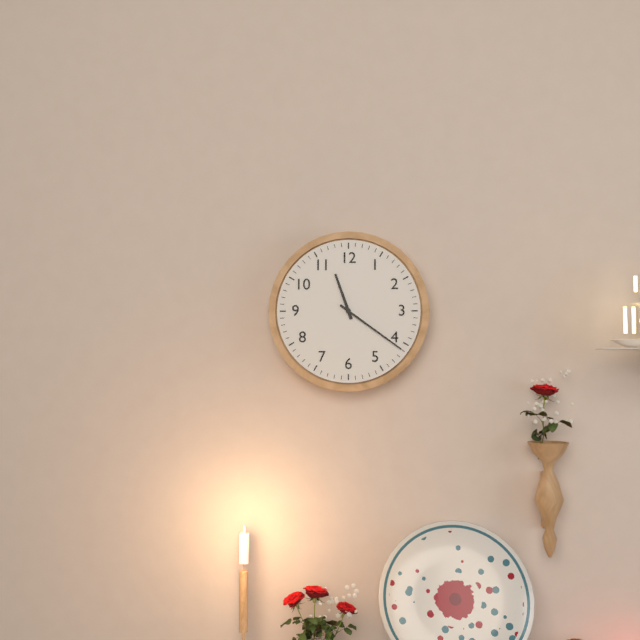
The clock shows 11.21
